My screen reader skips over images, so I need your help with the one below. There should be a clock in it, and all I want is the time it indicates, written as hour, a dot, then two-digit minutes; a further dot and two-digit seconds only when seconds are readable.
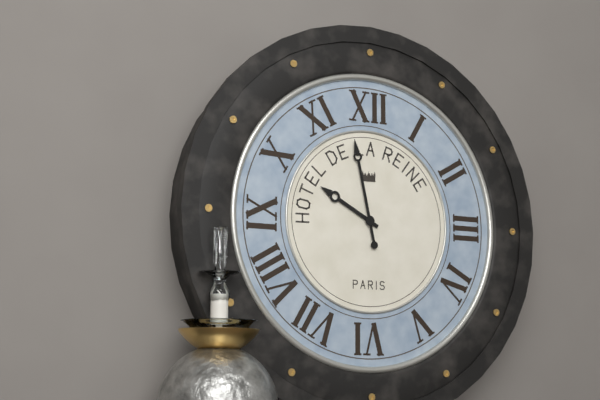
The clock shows 9.58
